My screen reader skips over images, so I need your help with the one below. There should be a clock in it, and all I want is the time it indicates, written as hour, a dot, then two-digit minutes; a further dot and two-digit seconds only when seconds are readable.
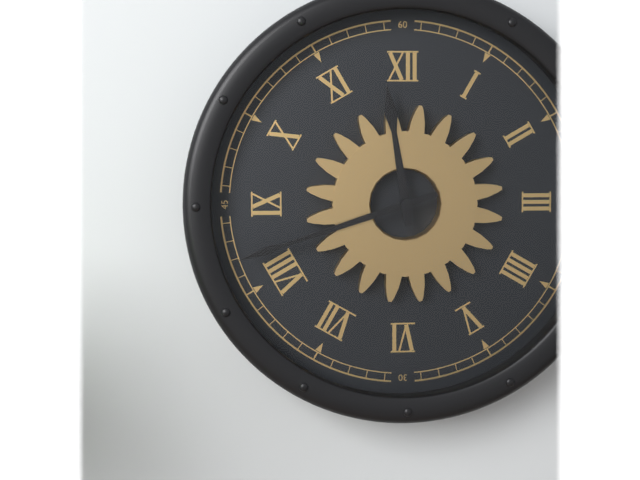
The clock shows 11.42
